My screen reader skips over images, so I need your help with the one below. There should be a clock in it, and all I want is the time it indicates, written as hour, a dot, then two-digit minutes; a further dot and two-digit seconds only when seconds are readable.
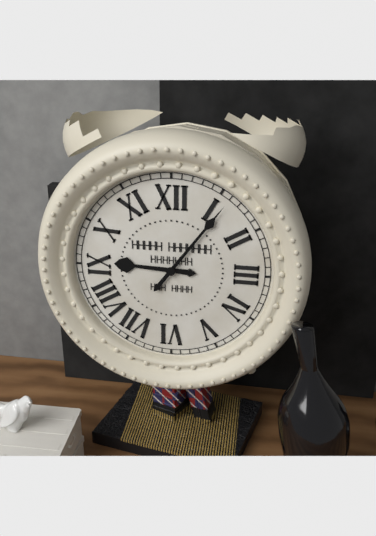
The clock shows 9.06
